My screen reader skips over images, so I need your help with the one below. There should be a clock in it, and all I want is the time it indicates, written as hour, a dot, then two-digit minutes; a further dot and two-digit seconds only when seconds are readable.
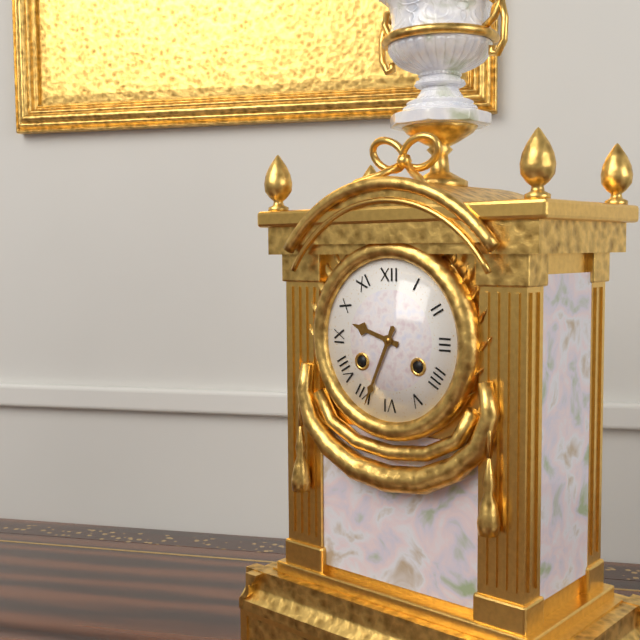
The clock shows 9.34
